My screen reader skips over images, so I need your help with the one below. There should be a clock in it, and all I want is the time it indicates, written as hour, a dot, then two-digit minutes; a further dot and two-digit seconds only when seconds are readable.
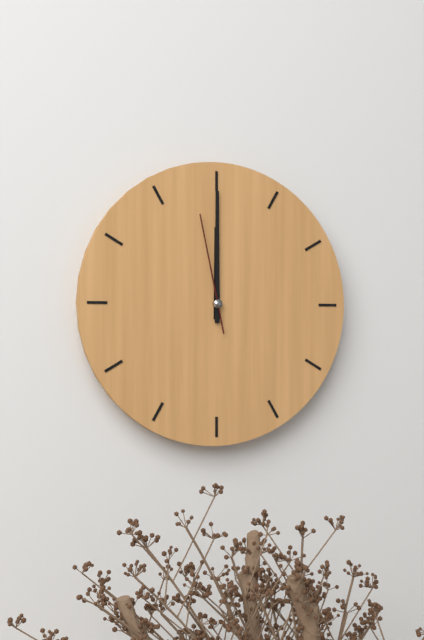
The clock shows 12.00.58
